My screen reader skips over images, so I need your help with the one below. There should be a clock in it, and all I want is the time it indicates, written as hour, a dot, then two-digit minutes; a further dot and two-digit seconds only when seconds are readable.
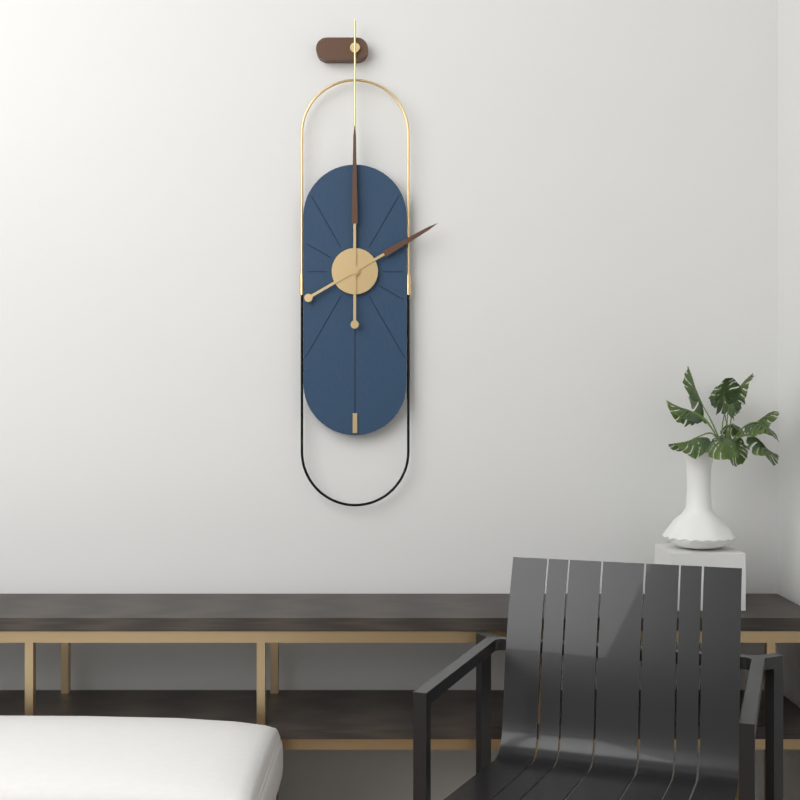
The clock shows 2.00
